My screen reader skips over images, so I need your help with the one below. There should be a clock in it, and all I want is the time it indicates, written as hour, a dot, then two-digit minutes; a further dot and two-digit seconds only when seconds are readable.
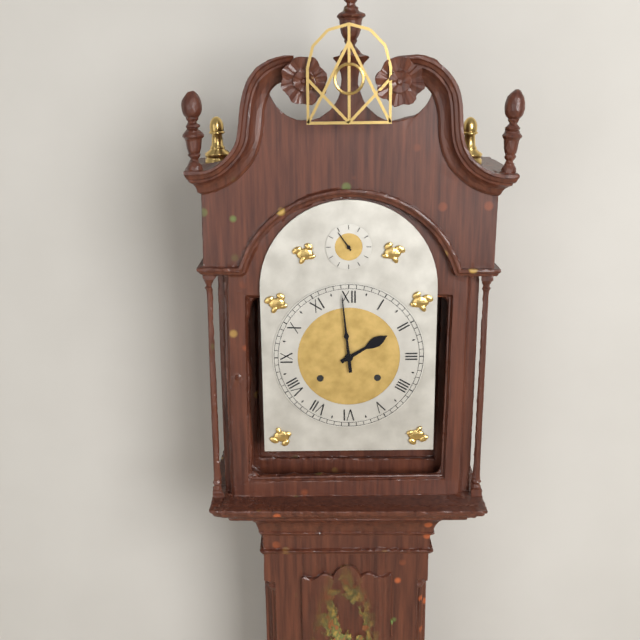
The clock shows 1.59
